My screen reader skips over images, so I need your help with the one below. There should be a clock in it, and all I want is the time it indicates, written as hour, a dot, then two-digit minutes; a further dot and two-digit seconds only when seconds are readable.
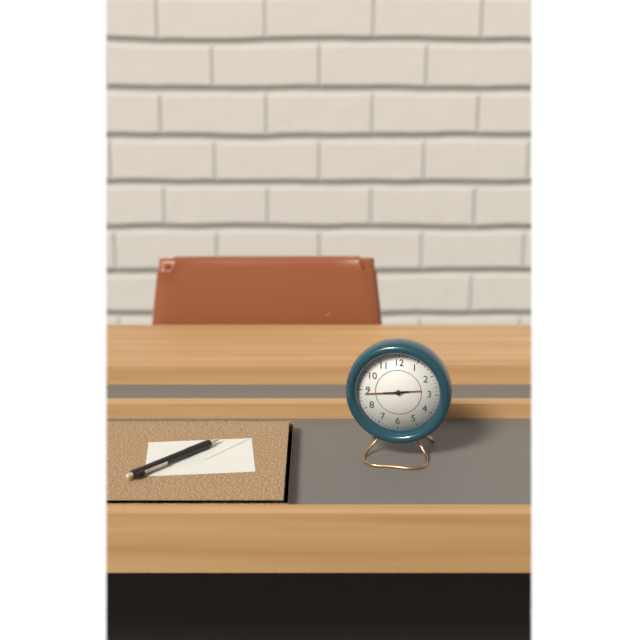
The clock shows 2.44
